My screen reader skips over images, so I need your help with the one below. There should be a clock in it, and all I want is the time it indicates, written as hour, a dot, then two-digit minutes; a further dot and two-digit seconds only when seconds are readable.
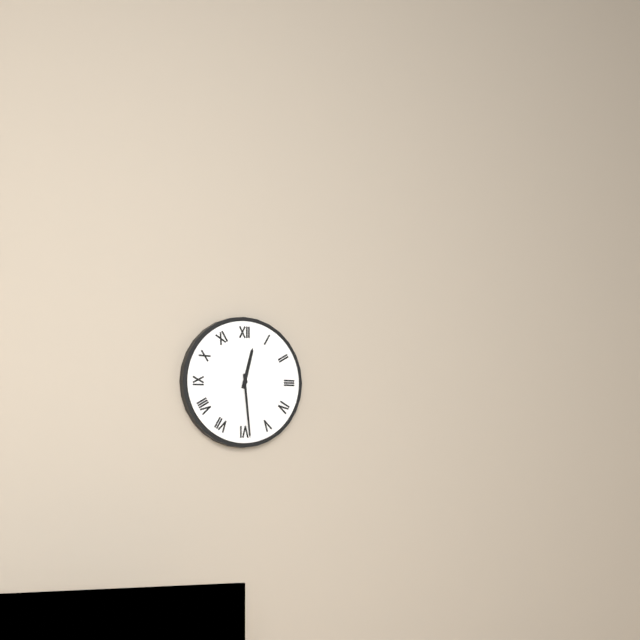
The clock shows 12.29
